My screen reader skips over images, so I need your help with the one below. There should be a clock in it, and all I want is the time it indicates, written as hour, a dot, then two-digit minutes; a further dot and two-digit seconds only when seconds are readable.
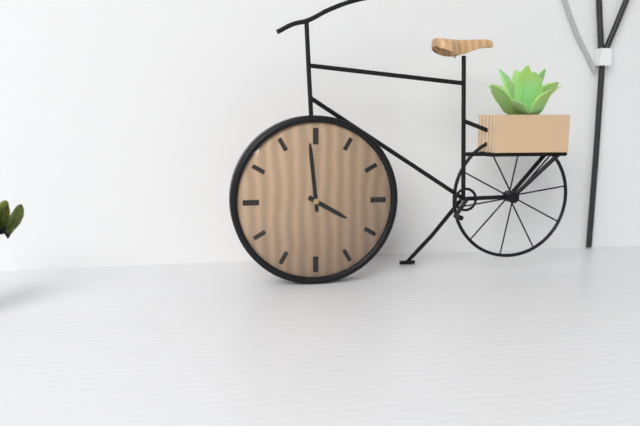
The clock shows 3.59
